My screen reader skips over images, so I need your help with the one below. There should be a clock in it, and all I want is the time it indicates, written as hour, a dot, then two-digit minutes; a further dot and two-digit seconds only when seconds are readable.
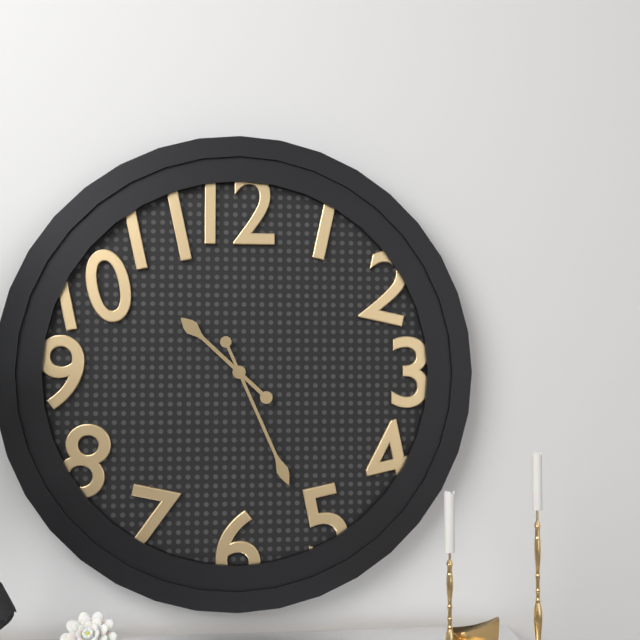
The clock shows 10.26
